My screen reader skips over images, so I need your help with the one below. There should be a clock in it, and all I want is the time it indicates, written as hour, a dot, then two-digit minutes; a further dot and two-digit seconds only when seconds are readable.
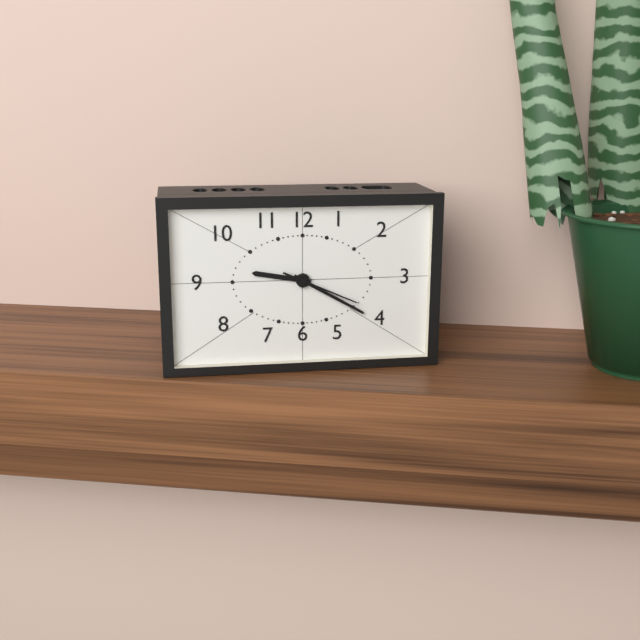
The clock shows 9.20.19
